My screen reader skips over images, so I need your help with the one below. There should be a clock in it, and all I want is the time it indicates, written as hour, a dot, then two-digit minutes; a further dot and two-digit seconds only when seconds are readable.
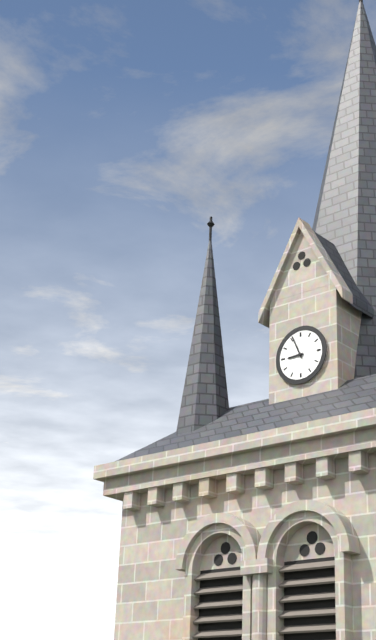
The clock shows 8.56
